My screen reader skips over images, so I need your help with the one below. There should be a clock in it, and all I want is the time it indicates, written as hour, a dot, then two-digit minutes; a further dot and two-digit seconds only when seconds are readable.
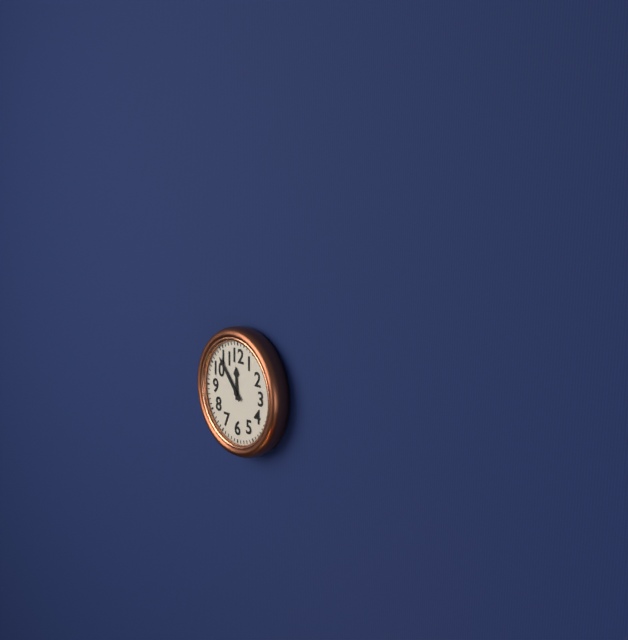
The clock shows 11.53
